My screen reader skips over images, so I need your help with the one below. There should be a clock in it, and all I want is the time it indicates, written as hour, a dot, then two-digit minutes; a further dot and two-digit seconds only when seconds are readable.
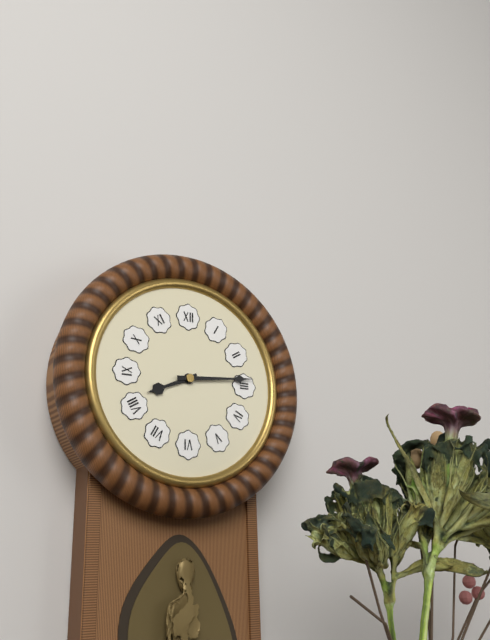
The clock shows 8.14
